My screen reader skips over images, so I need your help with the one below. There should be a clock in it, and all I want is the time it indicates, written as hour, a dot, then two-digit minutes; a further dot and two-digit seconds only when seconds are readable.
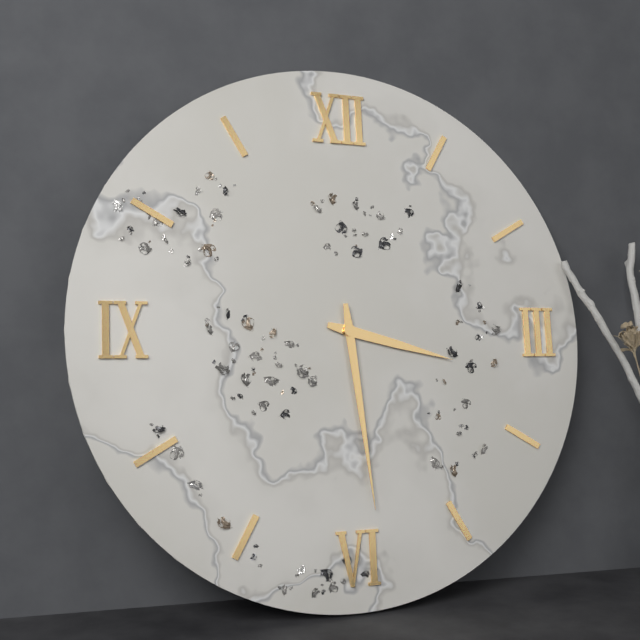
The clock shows 3.29
